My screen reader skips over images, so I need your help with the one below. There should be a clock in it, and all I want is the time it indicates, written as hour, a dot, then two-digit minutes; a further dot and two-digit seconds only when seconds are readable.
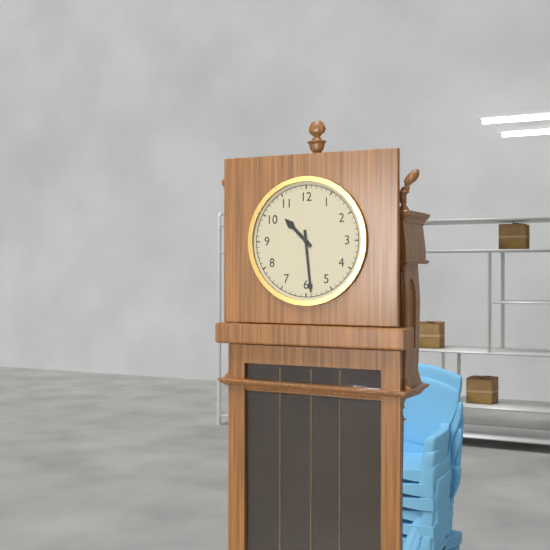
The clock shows 10.29
